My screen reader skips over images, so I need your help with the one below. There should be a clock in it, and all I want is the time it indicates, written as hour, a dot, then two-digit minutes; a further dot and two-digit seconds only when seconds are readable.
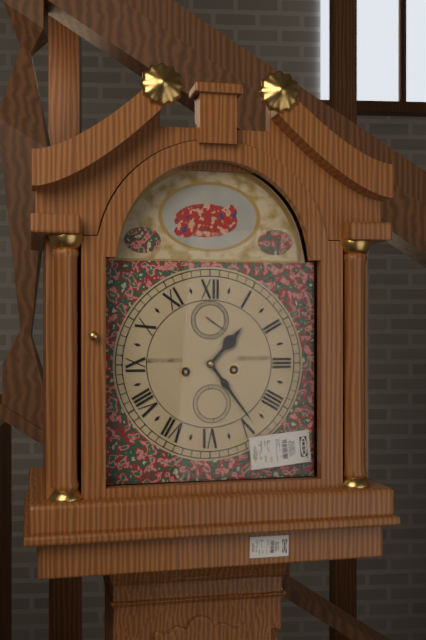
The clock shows 1.24
